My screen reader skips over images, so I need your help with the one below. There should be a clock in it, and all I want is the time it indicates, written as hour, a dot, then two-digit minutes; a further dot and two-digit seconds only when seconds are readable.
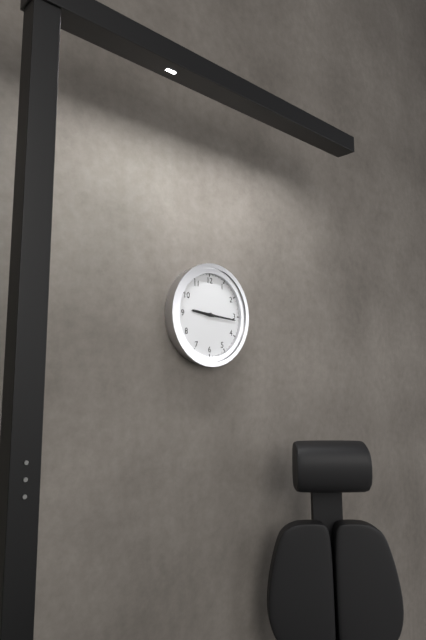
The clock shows 9.16
